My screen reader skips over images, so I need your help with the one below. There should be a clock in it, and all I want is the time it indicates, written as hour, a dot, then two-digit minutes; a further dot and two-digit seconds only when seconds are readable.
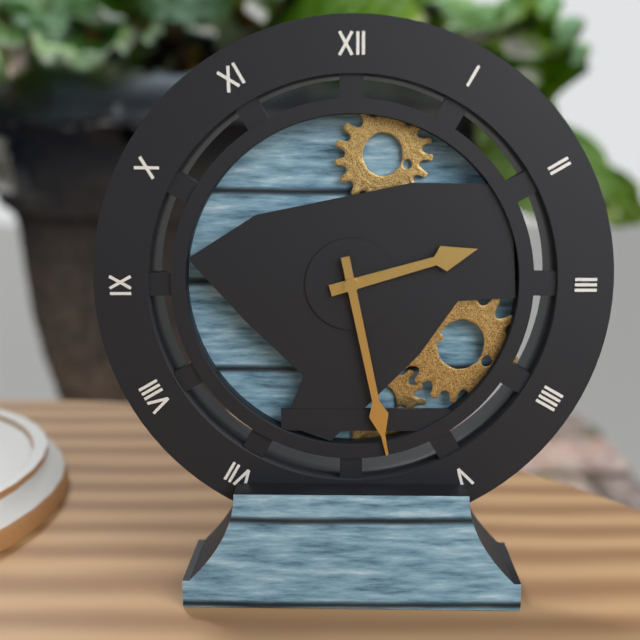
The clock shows 2.28
